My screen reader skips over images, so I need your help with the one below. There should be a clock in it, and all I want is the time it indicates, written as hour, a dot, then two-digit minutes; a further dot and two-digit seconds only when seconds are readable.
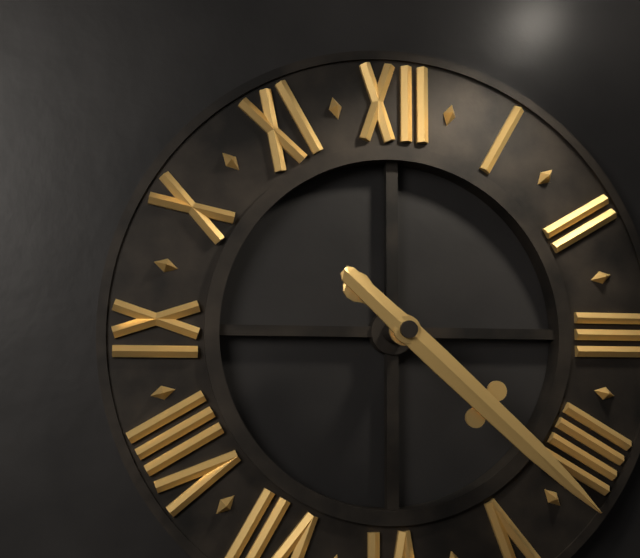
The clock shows 4.22
